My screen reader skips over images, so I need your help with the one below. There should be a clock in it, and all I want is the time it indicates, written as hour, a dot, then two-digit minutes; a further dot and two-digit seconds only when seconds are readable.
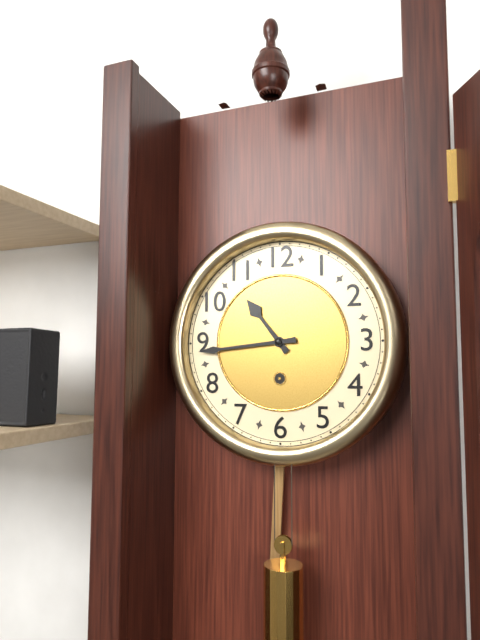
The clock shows 10.44
